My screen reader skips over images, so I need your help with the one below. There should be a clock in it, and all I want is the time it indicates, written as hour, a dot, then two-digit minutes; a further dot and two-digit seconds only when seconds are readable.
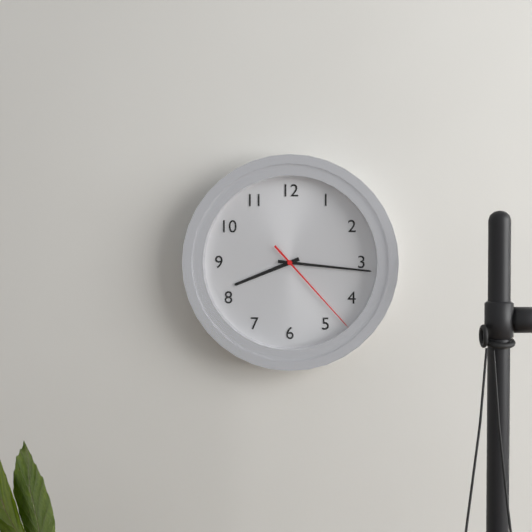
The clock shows 8.16.23
